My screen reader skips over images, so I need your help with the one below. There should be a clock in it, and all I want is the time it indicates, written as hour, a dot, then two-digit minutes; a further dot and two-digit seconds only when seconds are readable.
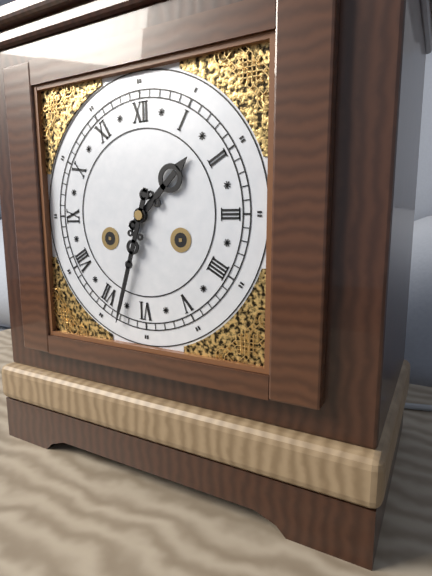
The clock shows 1.33
